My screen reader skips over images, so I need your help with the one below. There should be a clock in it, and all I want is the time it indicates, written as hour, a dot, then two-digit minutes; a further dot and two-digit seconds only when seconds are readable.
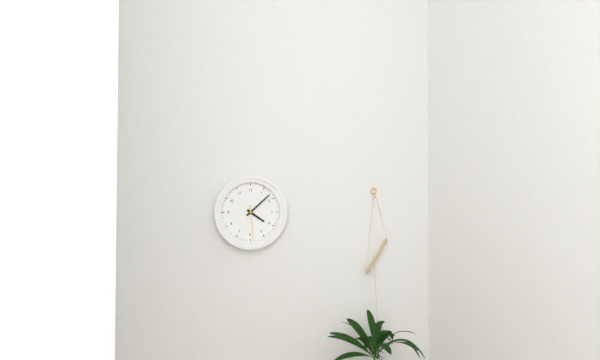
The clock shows 4.08
